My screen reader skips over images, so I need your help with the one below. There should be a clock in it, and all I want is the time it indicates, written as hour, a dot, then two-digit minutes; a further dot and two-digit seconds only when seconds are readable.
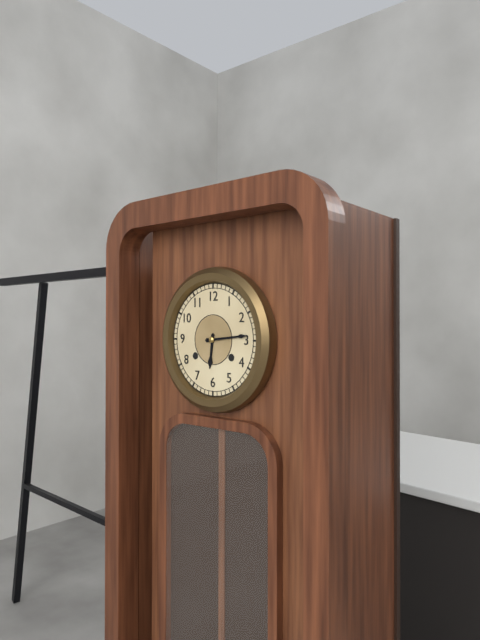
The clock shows 6.14
